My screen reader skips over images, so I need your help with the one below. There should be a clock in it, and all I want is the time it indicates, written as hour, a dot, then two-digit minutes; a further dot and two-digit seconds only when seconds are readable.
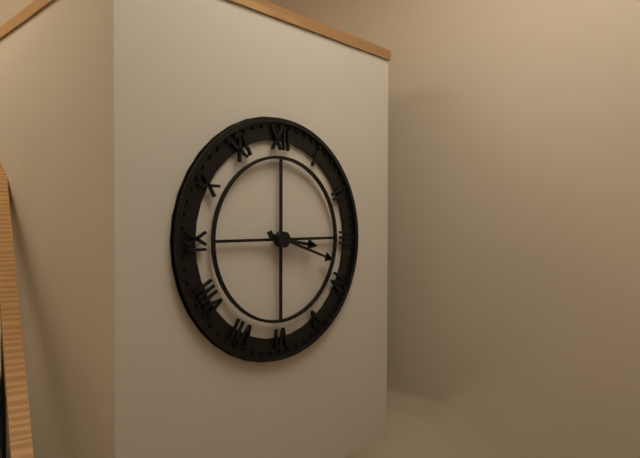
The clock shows 3.18
